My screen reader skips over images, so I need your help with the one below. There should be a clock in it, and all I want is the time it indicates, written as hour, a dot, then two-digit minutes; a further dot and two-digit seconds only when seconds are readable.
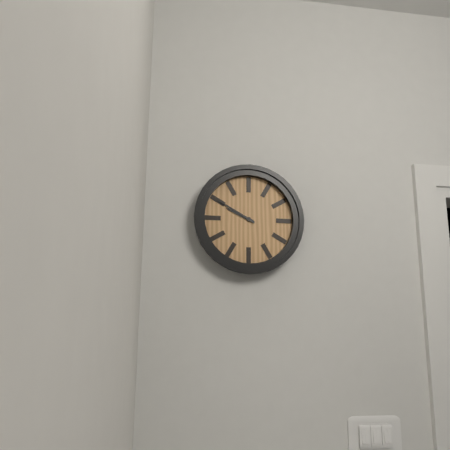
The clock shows 9.50
